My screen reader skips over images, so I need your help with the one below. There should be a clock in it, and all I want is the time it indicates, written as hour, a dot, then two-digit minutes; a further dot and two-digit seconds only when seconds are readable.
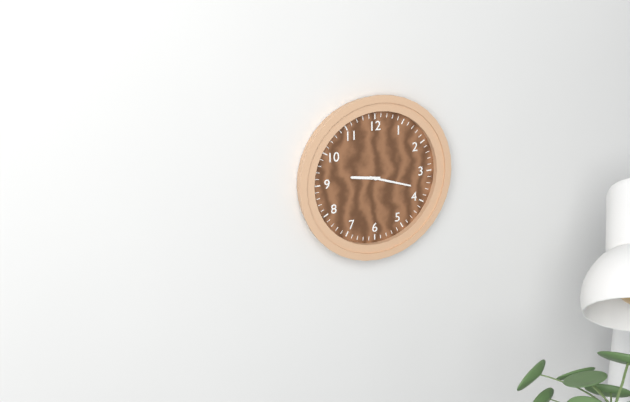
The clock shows 9.18
